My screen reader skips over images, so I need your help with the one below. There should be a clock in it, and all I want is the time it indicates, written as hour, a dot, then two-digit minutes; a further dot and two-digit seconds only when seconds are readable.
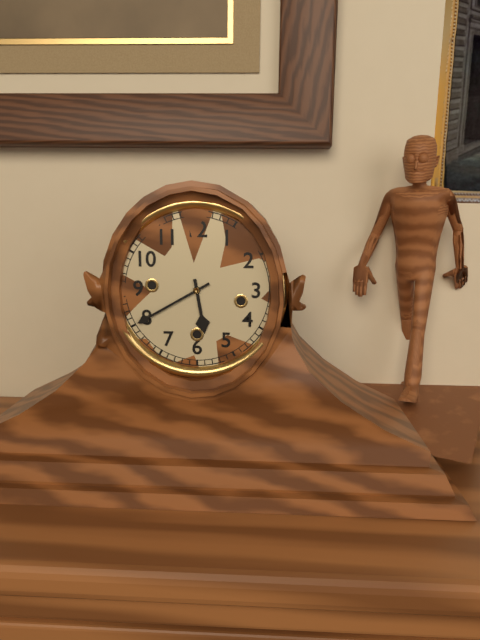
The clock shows 5.40
